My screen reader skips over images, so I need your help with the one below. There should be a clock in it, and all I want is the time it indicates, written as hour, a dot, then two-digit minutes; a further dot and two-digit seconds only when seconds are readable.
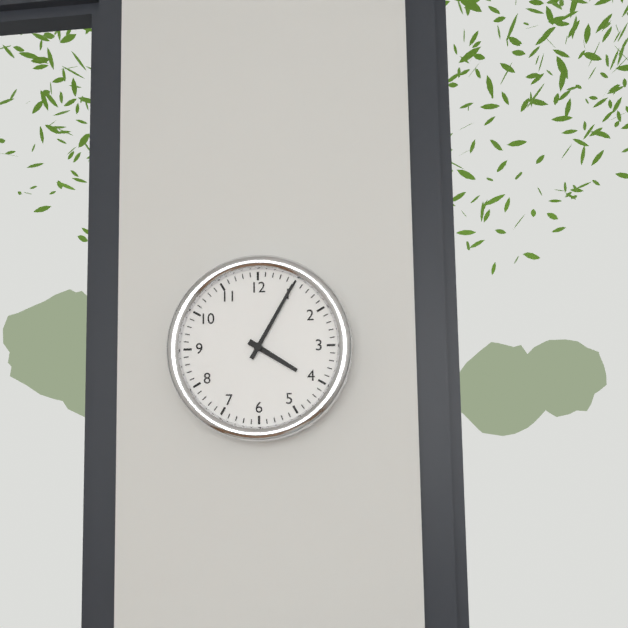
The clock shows 4.05
